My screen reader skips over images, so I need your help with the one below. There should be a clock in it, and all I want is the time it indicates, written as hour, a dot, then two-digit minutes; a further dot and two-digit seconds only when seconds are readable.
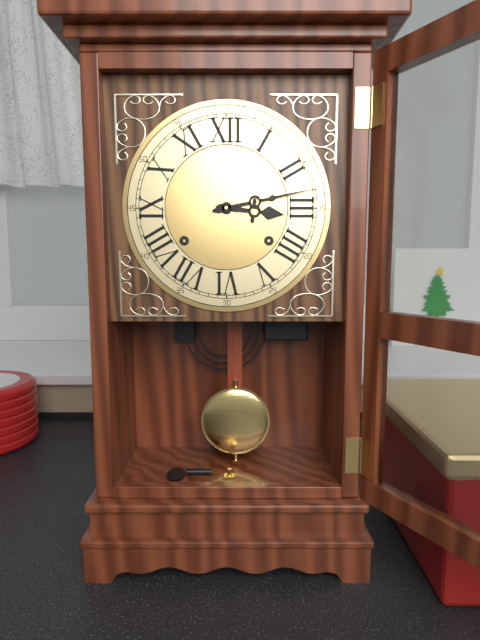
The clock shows 3.13
